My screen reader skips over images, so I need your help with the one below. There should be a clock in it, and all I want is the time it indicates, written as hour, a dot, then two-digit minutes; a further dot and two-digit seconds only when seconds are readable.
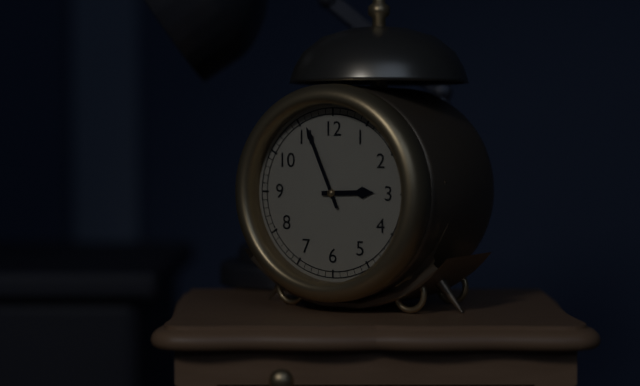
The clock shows 2.56
